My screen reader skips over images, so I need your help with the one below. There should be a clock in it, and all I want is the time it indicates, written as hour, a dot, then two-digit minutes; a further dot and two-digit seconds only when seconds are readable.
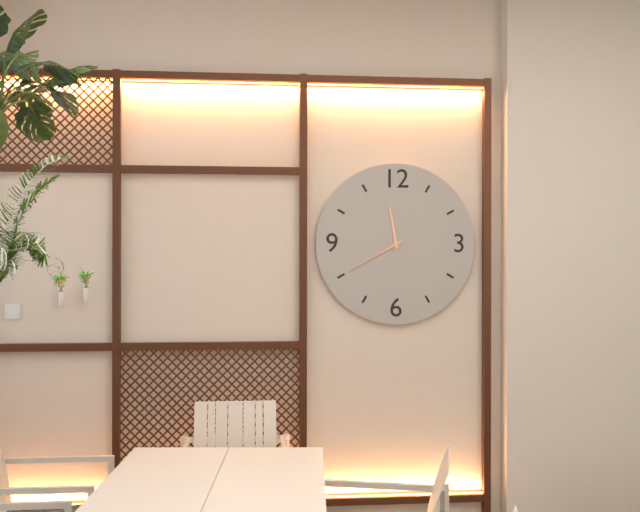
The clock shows 11.40
